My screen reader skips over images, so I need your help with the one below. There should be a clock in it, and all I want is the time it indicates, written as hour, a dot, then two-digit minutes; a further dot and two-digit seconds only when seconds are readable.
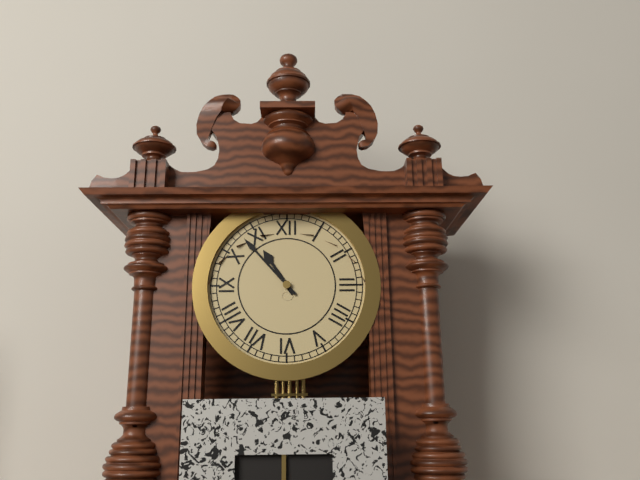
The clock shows 10.53
